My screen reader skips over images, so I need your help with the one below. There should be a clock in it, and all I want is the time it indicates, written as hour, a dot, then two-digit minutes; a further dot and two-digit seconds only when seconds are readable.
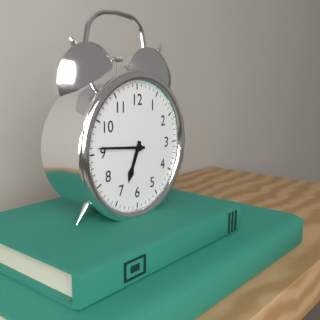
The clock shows 6.46
